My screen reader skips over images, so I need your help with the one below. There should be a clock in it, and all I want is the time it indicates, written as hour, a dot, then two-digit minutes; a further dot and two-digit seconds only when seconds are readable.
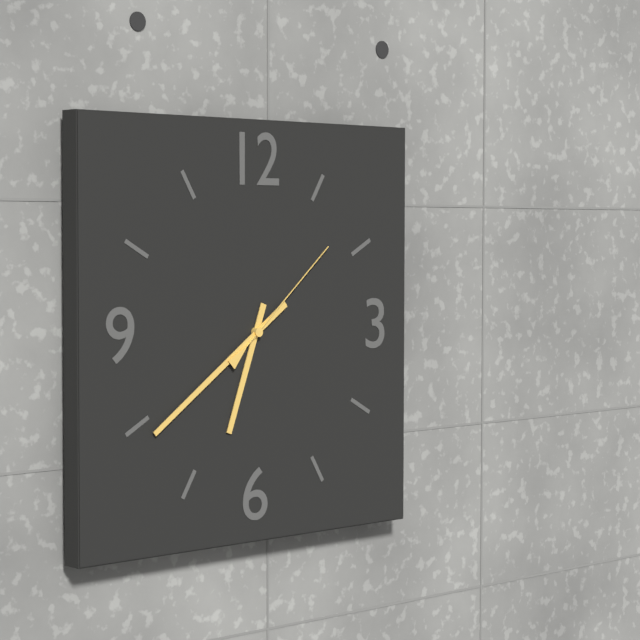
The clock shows 6.39.08
